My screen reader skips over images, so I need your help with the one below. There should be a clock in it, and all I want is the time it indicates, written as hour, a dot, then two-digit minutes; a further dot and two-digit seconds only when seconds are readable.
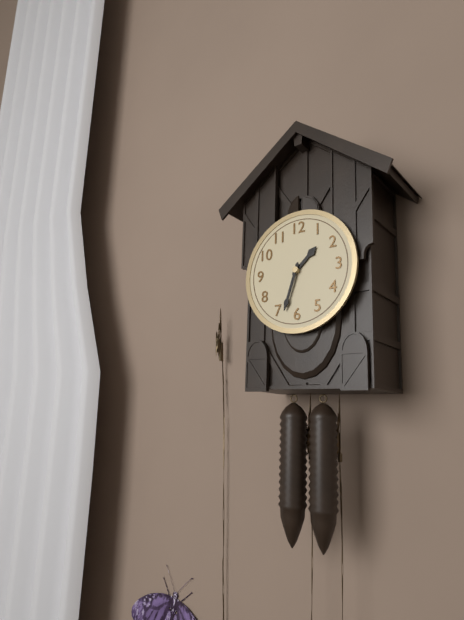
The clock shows 1.33
